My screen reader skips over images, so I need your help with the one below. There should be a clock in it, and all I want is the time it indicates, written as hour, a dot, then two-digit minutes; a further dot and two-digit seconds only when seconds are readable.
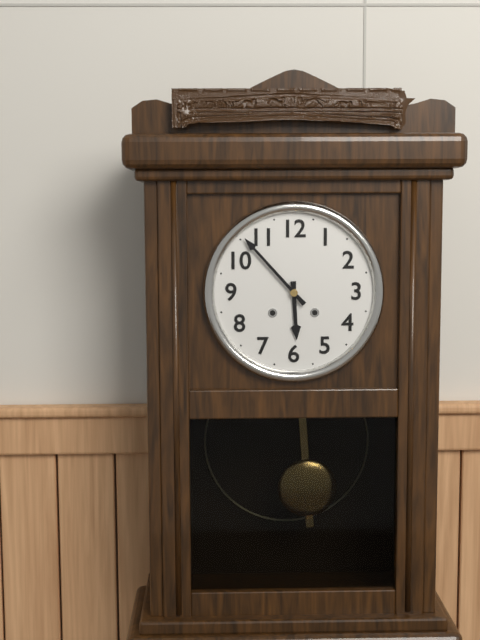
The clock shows 5.53
